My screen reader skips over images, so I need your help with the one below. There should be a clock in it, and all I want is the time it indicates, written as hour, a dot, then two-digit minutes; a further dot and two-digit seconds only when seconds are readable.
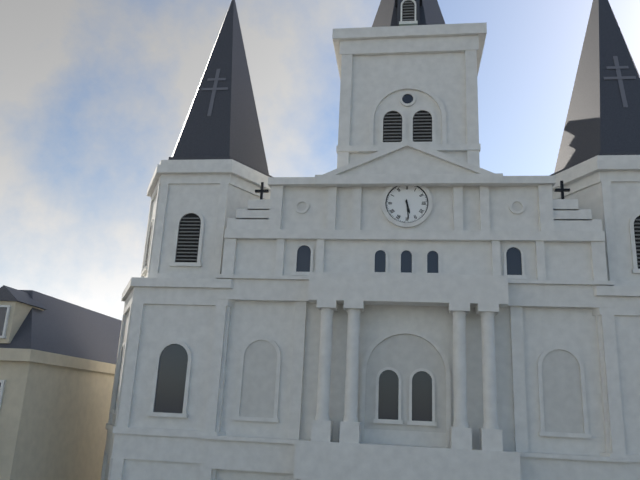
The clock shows 5.29
